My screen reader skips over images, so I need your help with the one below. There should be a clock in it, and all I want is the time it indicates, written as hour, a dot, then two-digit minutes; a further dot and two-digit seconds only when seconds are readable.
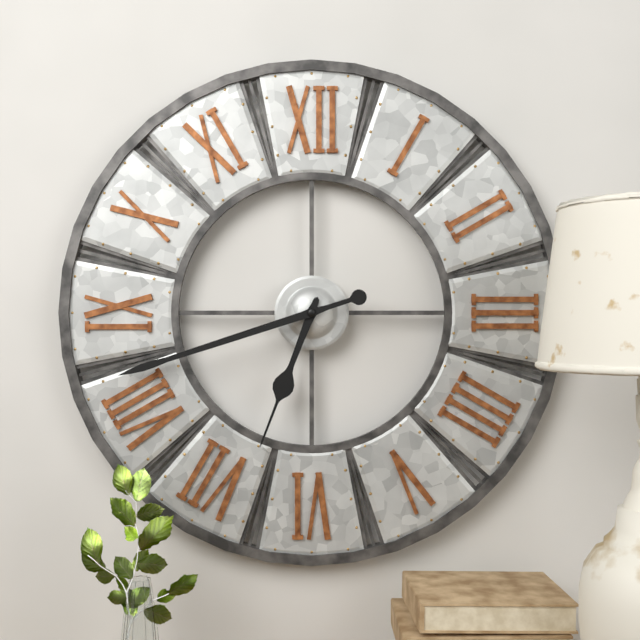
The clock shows 6.42
